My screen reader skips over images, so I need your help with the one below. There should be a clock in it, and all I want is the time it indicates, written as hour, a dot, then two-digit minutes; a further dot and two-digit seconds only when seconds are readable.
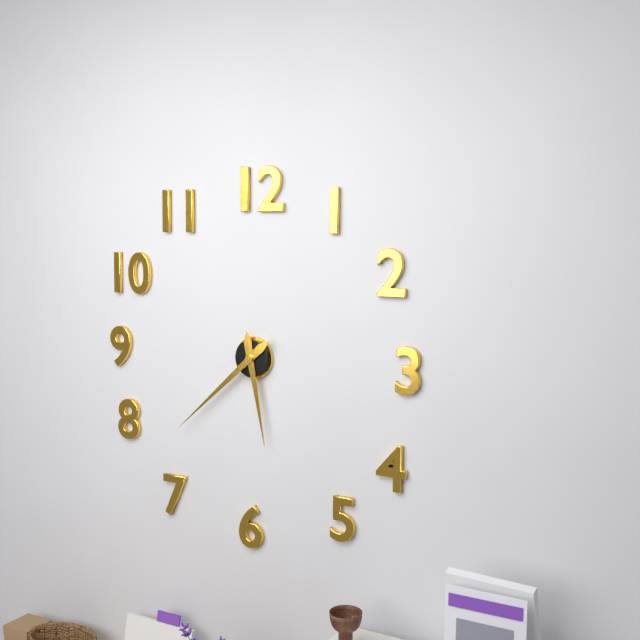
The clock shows 5.38
